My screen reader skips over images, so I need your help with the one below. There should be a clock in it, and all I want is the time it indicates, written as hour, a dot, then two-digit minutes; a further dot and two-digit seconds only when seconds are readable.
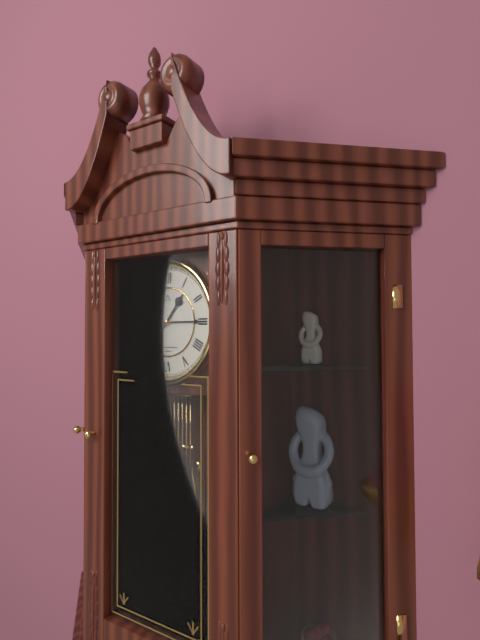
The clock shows 1.15
